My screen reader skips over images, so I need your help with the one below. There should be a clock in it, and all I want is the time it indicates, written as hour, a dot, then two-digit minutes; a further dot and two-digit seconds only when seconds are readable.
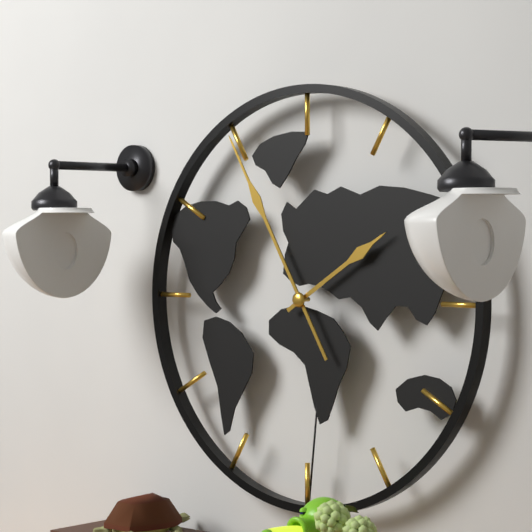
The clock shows 1.55
